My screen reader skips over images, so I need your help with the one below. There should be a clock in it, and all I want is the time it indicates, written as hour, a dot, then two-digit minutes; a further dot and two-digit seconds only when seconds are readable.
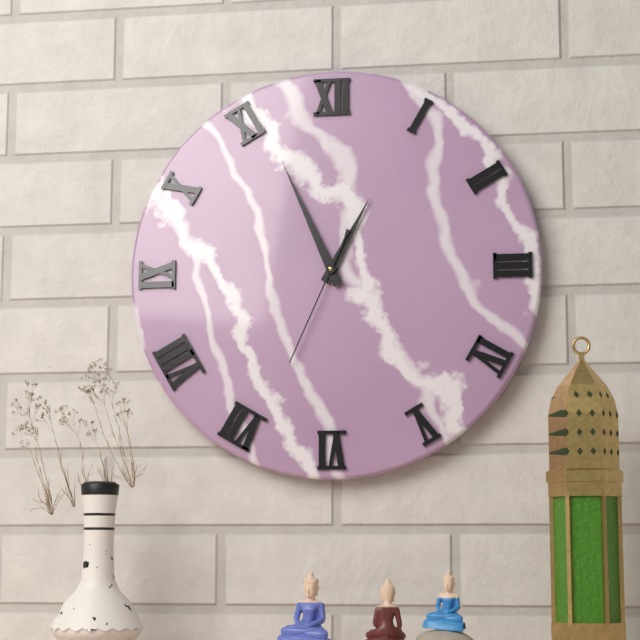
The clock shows 12.56.34
